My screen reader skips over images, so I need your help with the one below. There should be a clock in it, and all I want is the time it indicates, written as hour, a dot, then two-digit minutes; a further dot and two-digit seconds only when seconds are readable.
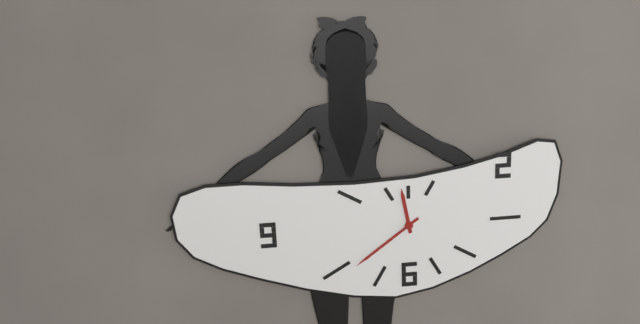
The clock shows 11.39
